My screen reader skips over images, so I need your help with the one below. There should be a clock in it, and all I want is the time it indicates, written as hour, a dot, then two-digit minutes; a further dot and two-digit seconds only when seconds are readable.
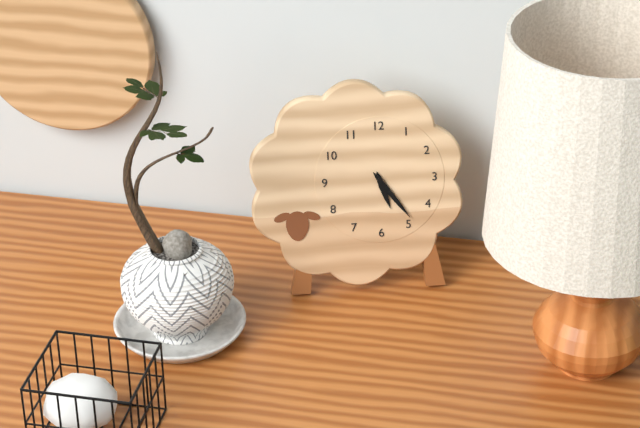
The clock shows 5.24
